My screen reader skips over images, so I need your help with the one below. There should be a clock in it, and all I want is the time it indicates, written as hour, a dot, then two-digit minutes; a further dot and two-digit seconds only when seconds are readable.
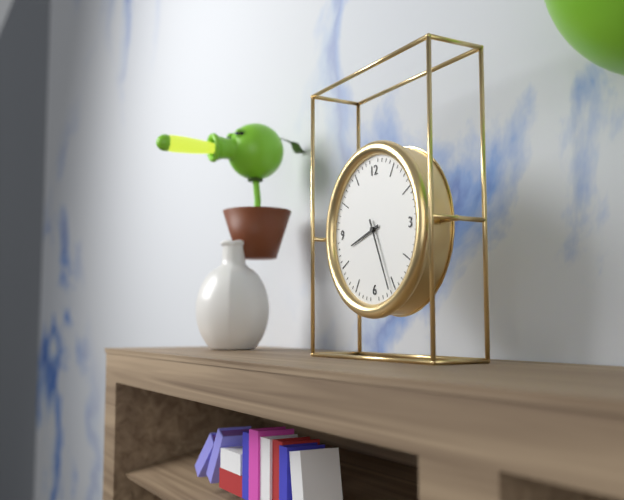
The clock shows 8.26
